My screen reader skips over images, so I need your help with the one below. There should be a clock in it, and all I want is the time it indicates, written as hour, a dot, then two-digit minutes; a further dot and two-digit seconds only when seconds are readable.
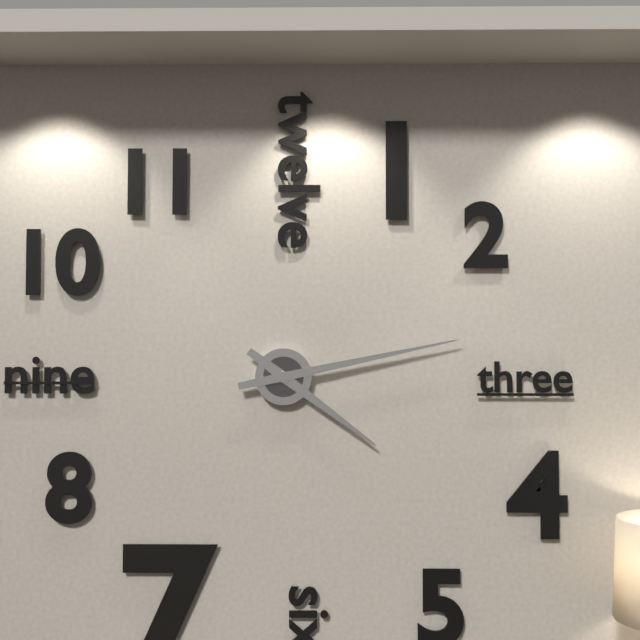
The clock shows 4.13
